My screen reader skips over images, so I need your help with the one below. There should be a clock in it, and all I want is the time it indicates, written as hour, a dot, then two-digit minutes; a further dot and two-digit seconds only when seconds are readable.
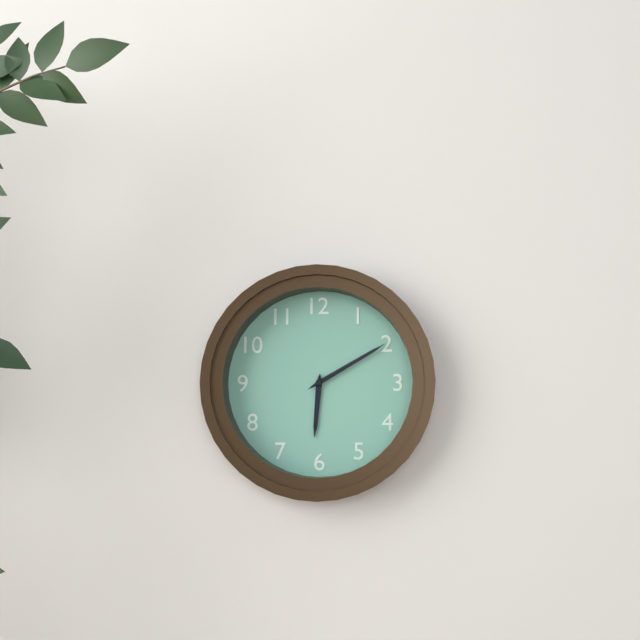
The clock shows 6.10
